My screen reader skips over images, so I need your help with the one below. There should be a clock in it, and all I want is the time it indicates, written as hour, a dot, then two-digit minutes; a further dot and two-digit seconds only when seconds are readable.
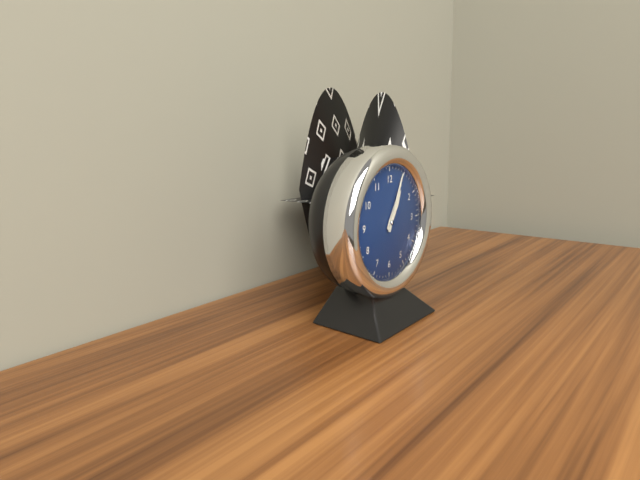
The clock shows 1.04
